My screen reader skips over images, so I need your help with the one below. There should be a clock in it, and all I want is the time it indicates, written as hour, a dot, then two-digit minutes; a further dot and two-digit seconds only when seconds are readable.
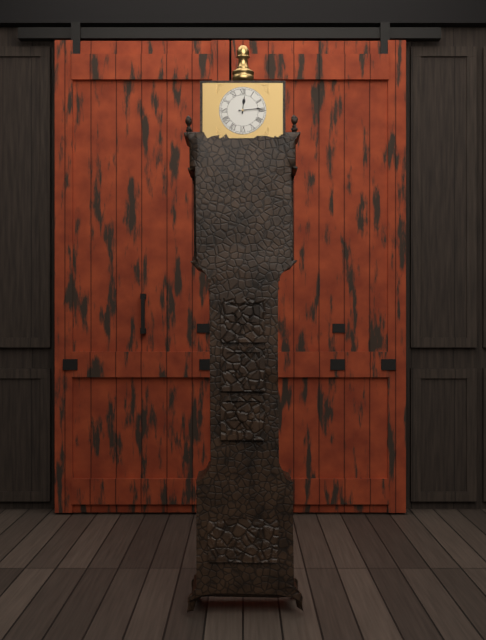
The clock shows 12.14
